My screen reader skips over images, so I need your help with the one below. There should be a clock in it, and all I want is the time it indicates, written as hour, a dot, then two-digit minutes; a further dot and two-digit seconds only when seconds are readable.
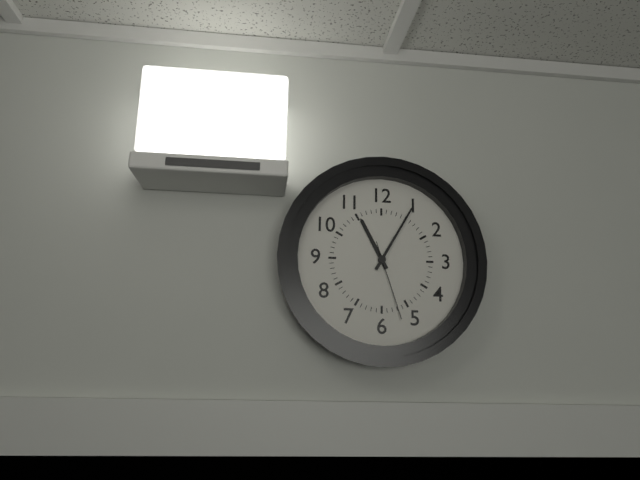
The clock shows 11.05.27
